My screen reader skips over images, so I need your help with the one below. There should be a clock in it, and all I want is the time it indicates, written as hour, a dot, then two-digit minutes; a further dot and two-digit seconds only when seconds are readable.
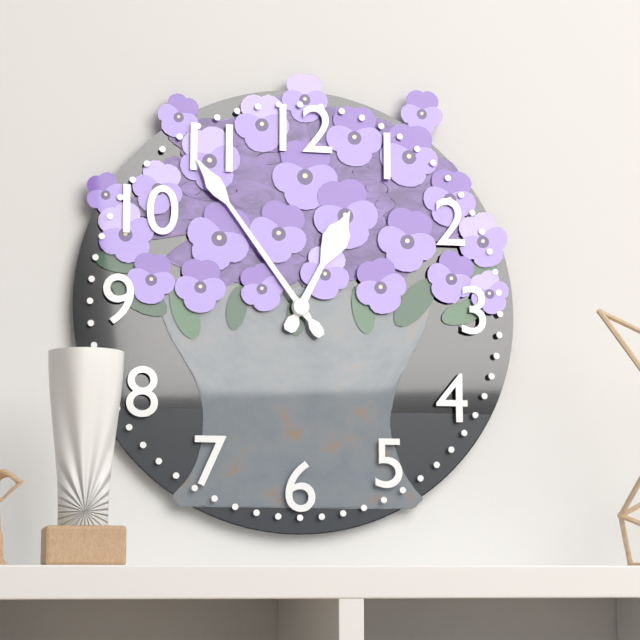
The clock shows 12.54
